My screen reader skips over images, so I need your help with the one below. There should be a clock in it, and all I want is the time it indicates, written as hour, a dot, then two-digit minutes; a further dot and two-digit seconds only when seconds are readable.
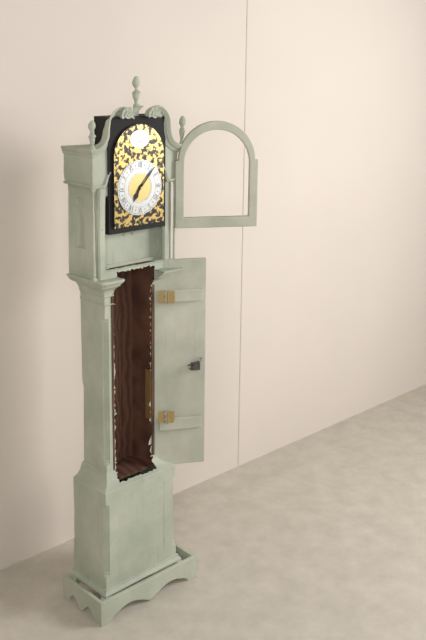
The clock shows 7.07
